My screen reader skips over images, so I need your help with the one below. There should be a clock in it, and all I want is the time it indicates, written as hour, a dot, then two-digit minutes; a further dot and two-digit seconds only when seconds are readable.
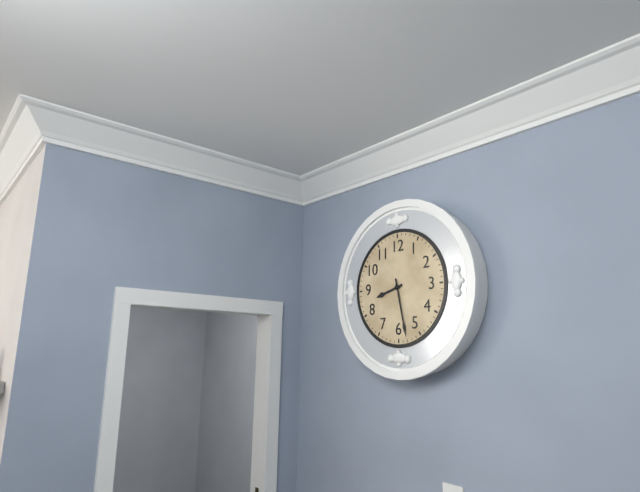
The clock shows 8.28
